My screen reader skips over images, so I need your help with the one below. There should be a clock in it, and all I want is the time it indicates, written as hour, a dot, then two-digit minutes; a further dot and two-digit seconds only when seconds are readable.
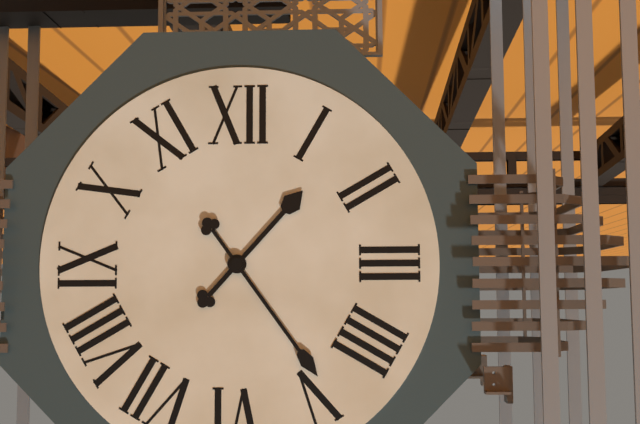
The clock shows 1.24
